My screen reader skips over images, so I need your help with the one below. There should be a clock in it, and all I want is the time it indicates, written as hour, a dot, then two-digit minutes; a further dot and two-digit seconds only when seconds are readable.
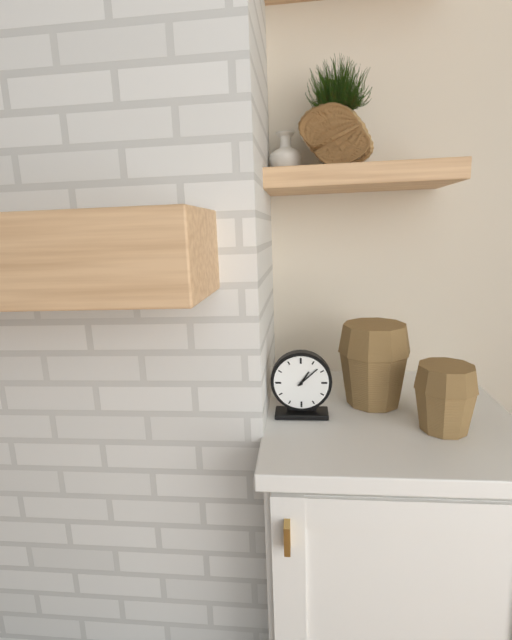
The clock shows 1.08
